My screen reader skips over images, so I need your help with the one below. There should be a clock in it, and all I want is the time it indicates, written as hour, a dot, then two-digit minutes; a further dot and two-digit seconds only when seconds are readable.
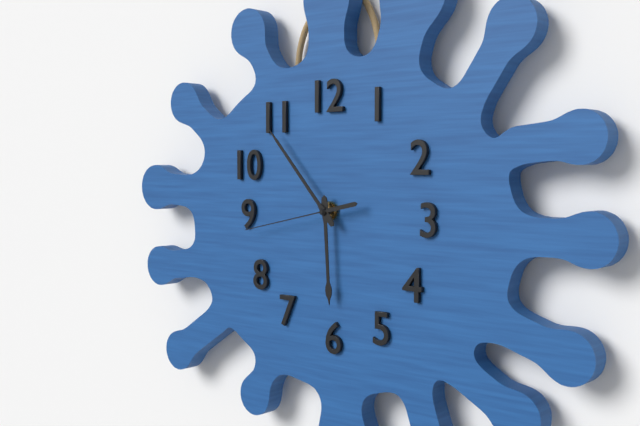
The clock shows 5.53.43
